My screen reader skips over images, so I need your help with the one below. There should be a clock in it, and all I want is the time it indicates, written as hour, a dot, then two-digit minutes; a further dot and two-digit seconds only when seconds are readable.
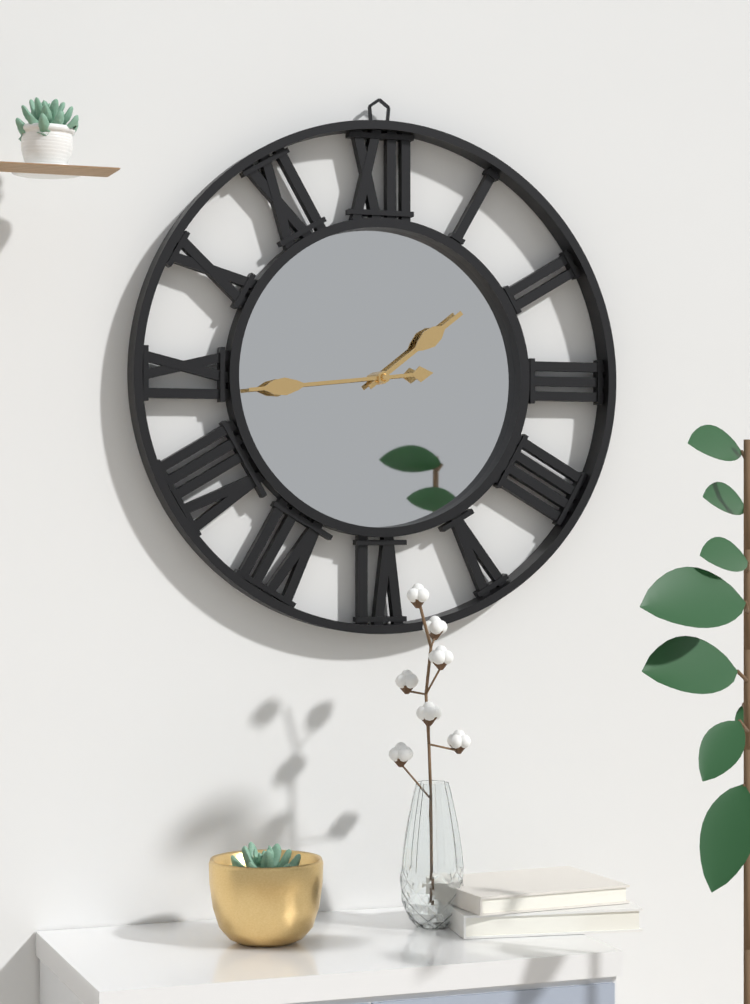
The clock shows 1.44
